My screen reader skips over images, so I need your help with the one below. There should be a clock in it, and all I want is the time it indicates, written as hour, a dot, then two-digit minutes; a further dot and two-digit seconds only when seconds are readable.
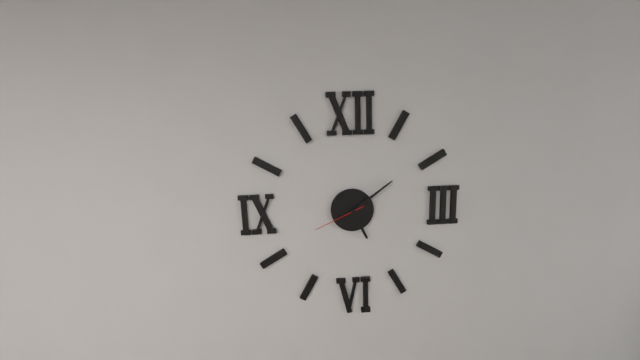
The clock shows 5.09.41
